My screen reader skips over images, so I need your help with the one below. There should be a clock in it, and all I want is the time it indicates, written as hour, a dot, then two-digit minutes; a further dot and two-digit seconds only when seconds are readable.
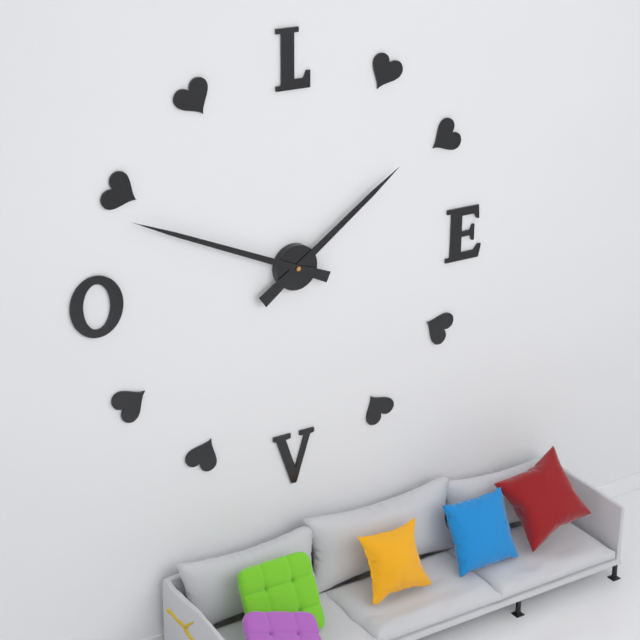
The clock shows 1.49
